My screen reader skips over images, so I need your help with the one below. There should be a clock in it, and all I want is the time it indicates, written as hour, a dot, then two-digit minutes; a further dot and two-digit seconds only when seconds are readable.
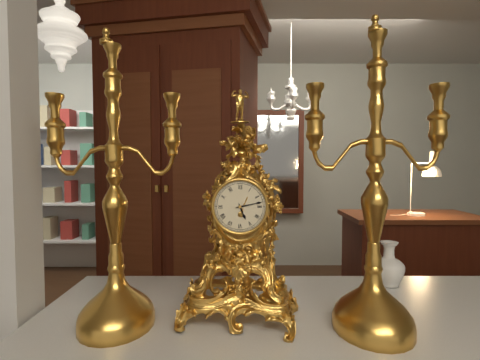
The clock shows 5.13
